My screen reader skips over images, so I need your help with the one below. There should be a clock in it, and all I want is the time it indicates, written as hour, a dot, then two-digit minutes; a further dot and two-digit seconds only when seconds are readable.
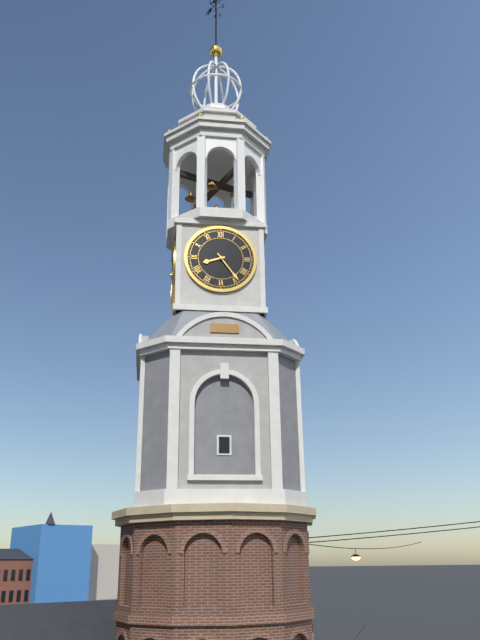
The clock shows 8.24
